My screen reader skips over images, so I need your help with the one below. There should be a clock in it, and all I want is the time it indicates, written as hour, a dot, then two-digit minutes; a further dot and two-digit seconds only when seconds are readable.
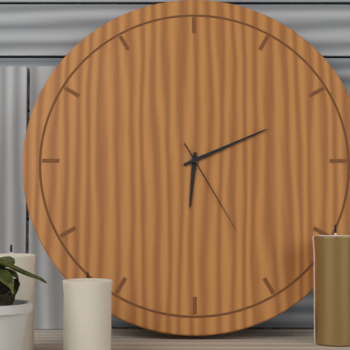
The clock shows 6.11.25
